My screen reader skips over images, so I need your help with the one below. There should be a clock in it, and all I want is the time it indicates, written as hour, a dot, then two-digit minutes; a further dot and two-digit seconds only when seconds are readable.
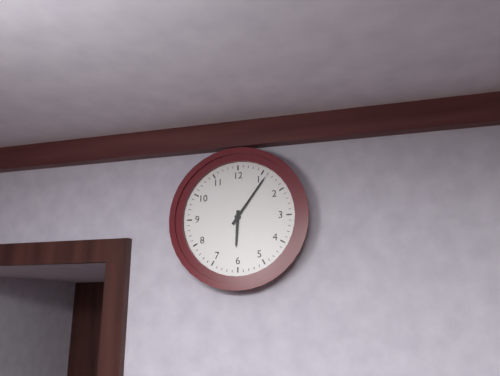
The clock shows 6.06
